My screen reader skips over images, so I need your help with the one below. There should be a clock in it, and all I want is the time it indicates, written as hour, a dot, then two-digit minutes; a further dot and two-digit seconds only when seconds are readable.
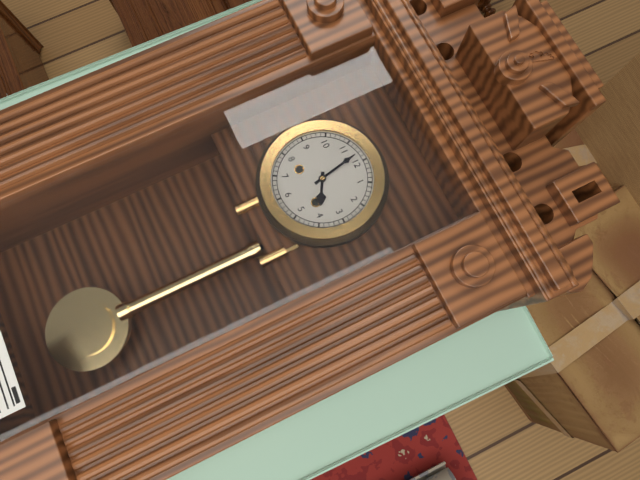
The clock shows 3.58
